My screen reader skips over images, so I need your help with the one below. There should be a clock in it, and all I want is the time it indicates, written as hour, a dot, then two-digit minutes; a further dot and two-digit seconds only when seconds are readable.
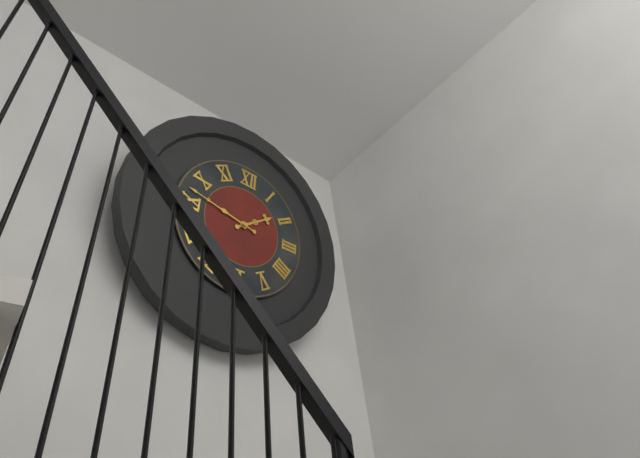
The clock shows 1.47
